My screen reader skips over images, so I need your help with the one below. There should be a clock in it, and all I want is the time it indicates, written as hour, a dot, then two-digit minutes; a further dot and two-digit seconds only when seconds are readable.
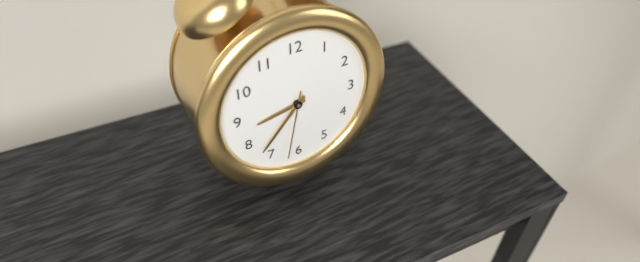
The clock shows 8.37.32
